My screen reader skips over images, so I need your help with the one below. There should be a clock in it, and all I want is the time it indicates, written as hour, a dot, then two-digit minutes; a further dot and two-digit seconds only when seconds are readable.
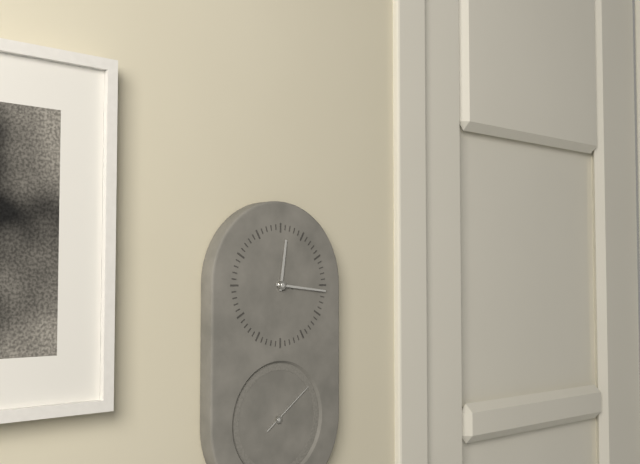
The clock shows 12.16.09
